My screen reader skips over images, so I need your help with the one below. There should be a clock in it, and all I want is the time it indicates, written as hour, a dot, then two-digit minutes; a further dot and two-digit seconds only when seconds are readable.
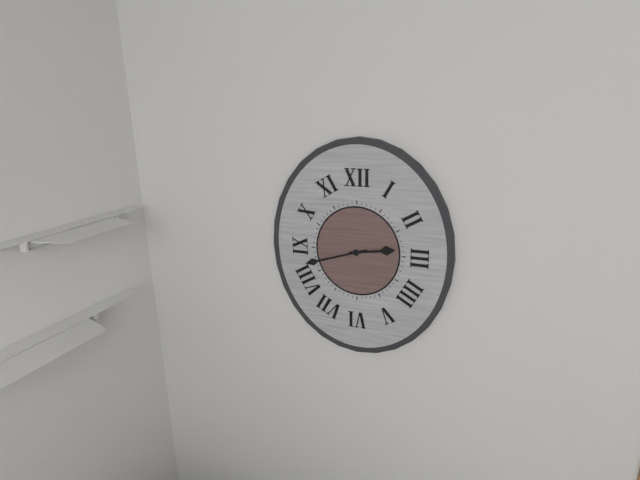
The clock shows 2.42
